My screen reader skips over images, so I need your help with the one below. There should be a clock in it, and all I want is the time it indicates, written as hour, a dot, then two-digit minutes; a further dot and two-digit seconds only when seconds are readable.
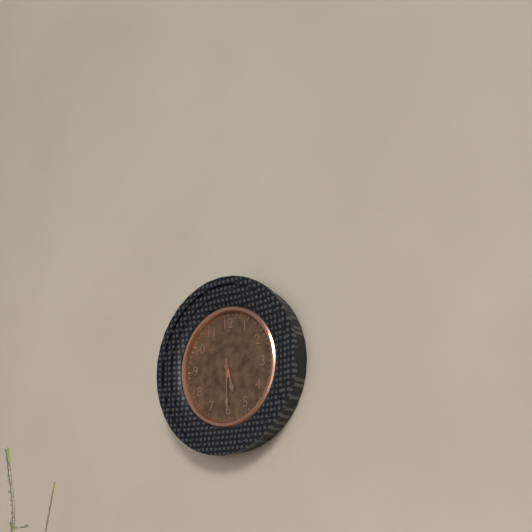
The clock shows 5.30
